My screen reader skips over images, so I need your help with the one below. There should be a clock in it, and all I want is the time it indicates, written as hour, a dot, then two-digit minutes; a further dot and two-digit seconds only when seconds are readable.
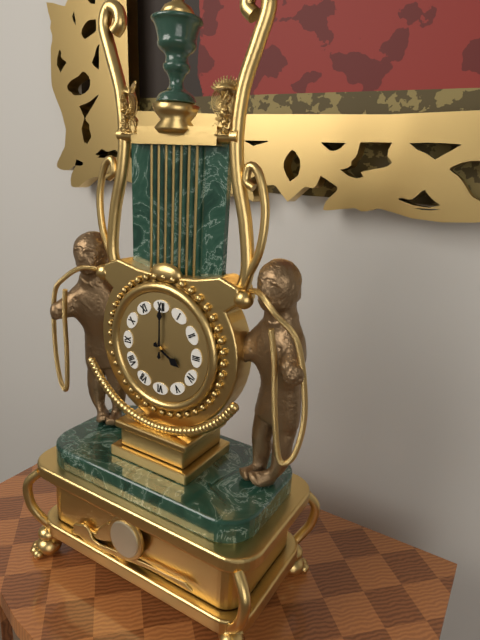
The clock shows 4.00
